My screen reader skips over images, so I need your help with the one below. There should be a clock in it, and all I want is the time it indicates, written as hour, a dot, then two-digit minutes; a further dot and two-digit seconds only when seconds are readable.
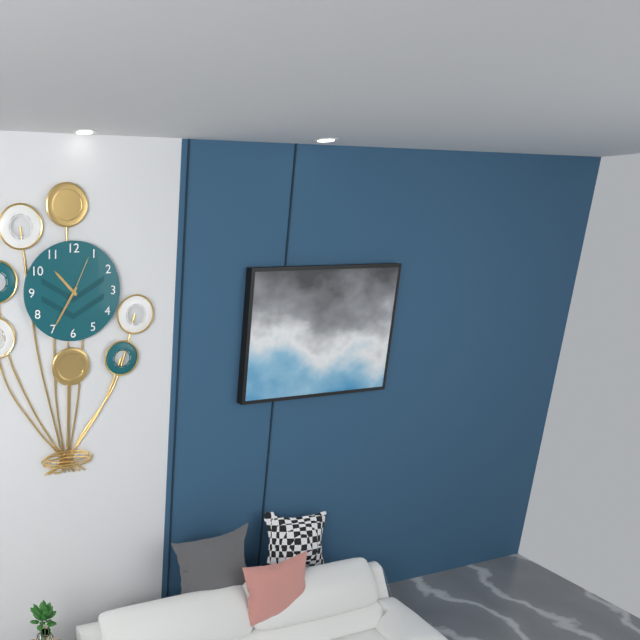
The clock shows 10.35
